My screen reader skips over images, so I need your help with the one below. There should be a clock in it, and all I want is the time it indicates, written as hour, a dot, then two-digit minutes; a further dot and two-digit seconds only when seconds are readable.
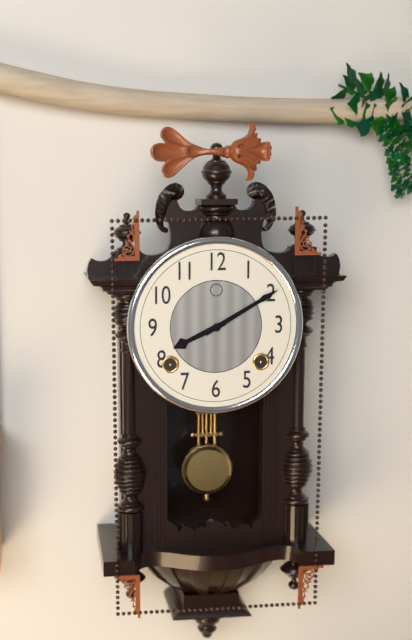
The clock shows 8.10
